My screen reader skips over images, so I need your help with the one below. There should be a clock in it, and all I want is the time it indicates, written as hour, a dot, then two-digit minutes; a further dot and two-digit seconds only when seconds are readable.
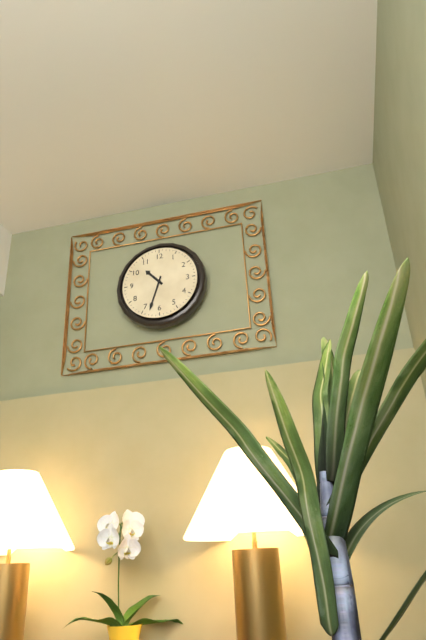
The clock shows 10.33
